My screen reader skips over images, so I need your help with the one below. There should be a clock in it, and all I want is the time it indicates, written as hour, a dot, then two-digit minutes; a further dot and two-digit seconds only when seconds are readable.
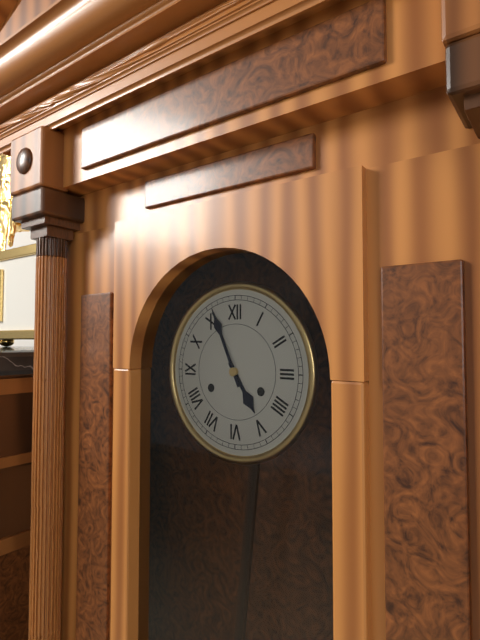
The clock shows 4.56
